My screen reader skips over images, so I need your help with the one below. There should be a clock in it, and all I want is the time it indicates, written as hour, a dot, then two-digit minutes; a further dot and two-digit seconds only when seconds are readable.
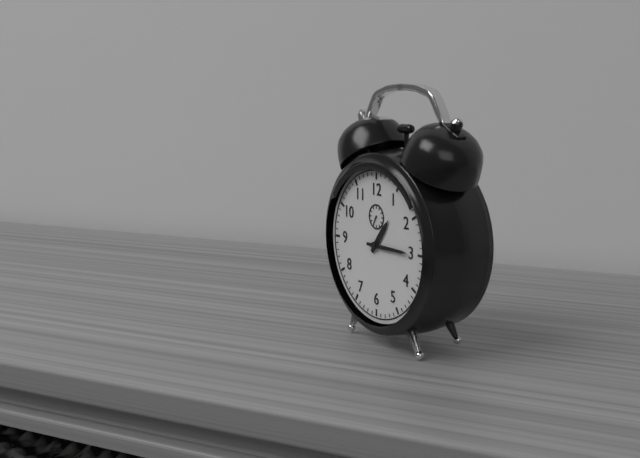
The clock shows 1.15
